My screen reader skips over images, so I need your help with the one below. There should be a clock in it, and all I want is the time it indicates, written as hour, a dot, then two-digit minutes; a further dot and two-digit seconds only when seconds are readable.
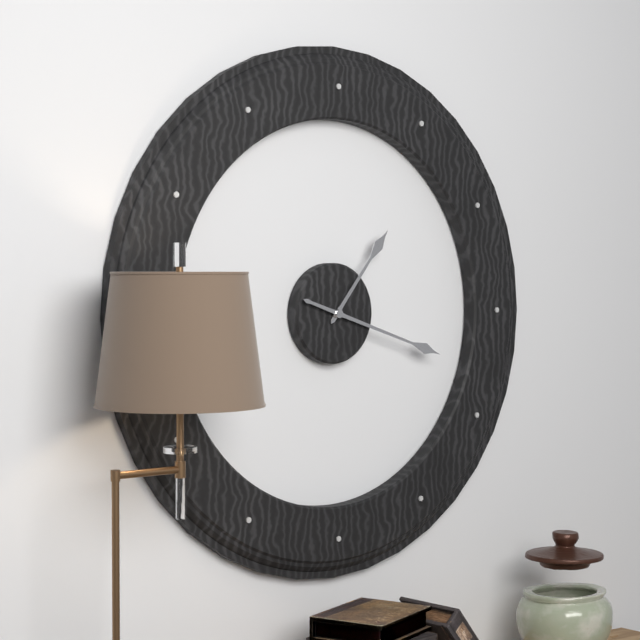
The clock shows 1.18
